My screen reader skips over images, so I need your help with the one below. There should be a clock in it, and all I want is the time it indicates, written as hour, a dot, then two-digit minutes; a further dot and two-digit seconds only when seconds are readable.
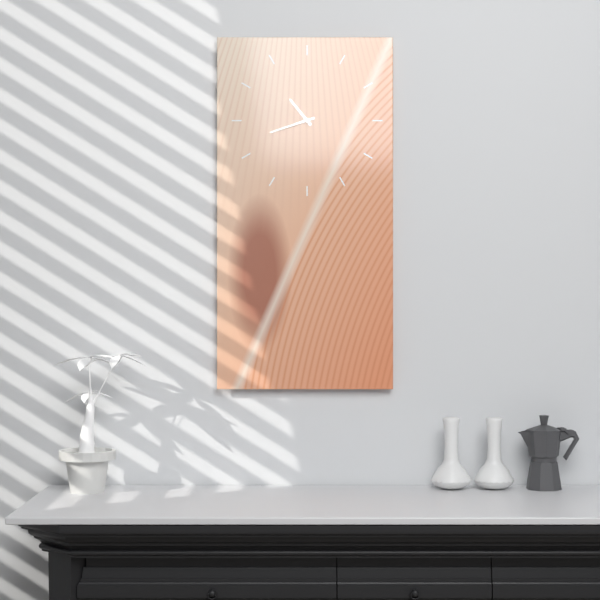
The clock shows 10.42
